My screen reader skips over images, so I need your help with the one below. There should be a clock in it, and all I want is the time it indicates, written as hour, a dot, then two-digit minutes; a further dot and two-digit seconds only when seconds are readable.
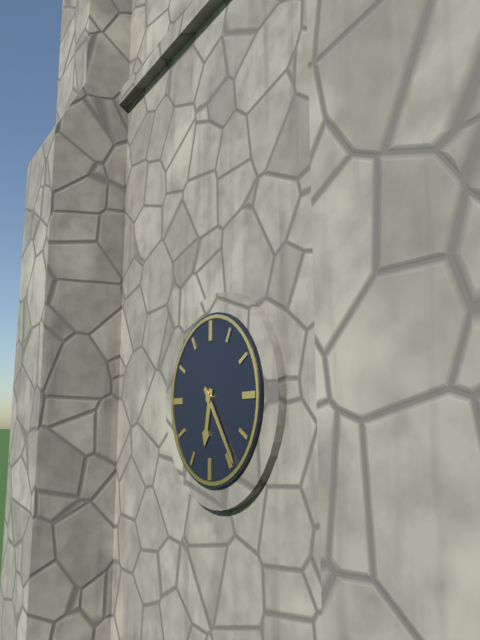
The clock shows 6.24
